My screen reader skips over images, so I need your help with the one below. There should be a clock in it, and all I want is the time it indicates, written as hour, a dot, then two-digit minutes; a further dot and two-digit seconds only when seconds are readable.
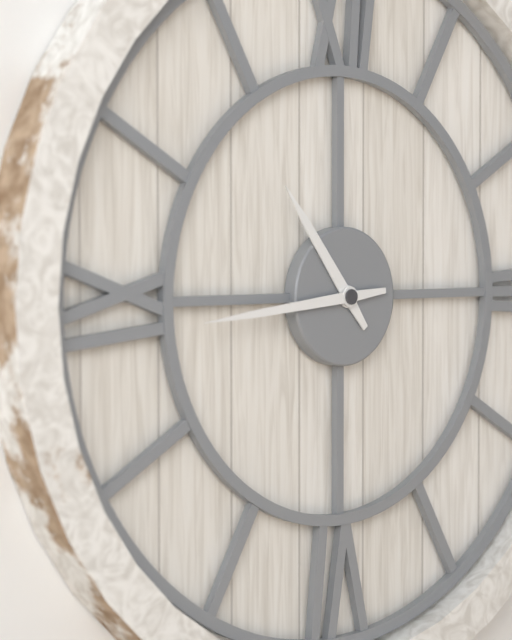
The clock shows 10.44
